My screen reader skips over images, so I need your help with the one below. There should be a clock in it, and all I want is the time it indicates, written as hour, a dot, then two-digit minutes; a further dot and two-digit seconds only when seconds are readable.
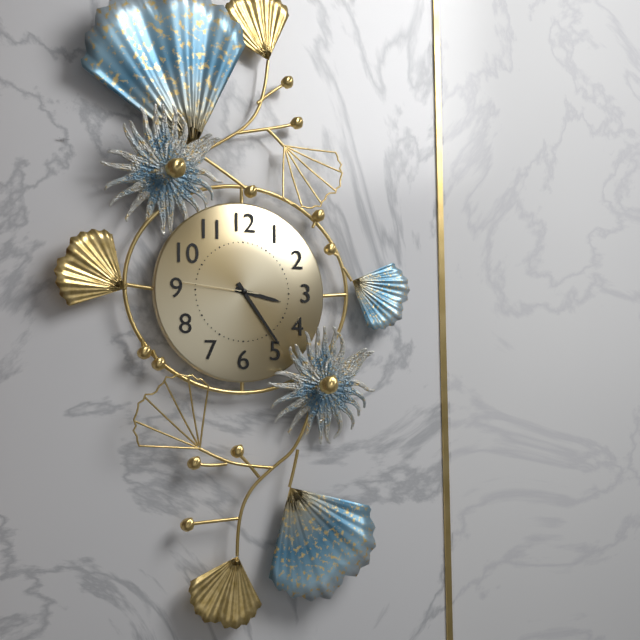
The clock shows 3.24.46
